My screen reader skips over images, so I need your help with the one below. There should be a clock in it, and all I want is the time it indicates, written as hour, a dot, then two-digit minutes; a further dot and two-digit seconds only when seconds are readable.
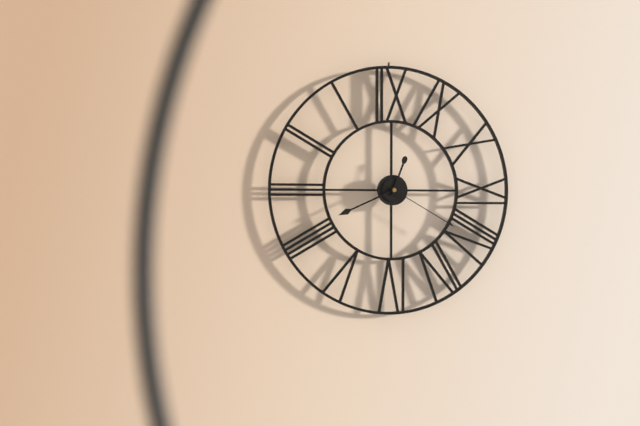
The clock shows 12.41.20
